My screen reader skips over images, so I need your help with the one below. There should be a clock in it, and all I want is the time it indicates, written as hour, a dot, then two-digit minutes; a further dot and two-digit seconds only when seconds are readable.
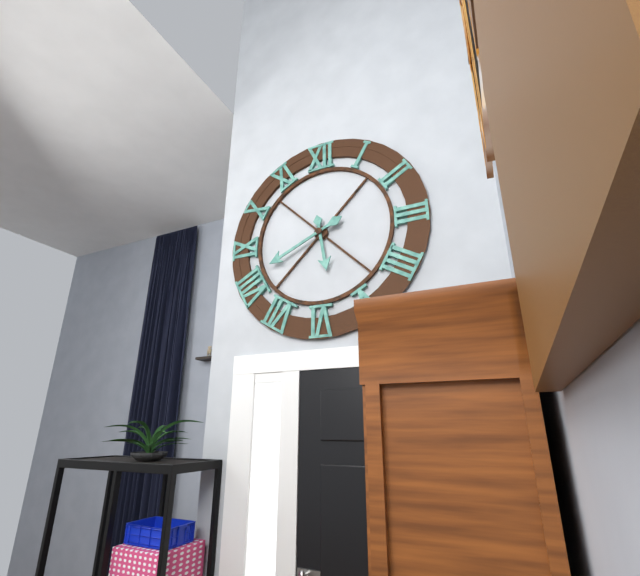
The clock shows 5.41
